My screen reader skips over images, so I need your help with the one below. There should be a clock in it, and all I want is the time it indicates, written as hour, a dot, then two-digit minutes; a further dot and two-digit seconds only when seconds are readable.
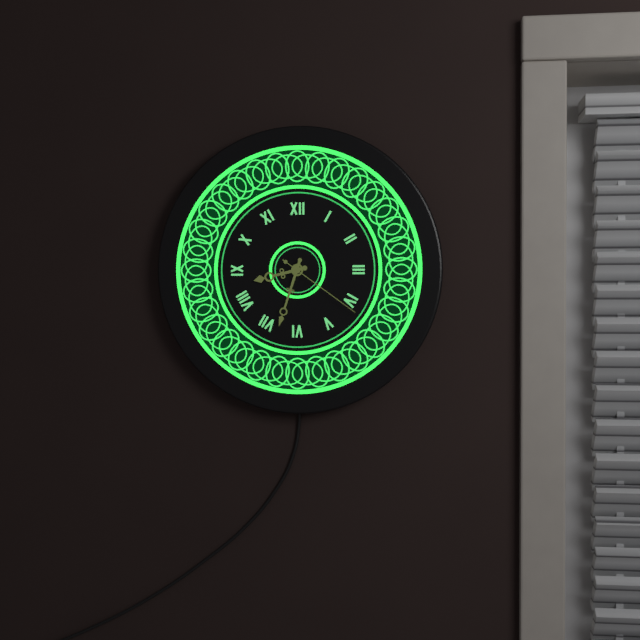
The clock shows 8.33.21
